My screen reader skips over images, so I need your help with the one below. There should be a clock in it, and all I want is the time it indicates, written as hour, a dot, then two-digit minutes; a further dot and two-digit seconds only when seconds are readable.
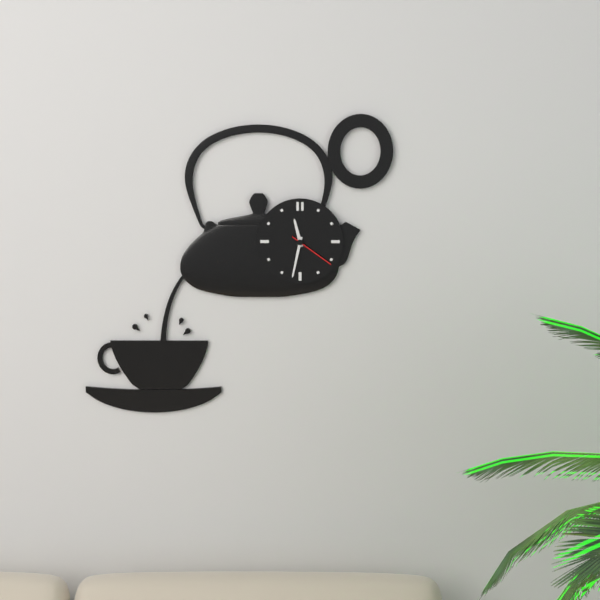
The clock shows 11.32
